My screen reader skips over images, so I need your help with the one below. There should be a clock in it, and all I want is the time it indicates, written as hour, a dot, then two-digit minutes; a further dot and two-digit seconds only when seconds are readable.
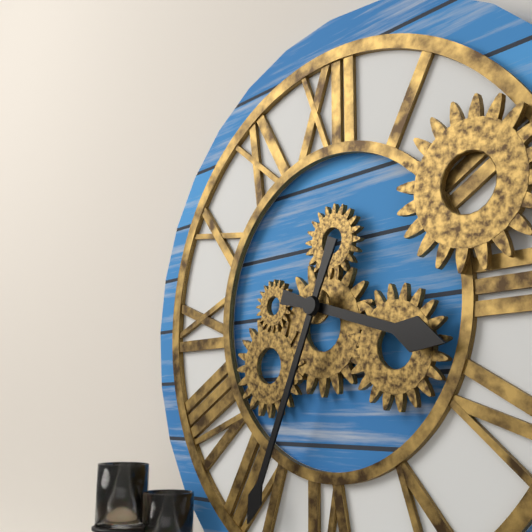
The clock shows 3.34
